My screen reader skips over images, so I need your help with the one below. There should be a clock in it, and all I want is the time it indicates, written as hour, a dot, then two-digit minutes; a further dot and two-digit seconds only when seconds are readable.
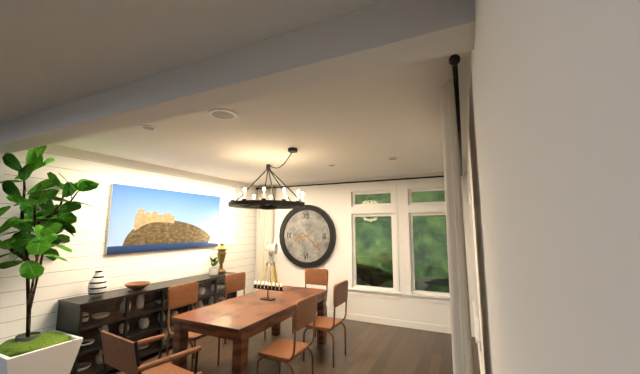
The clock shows 8.22
